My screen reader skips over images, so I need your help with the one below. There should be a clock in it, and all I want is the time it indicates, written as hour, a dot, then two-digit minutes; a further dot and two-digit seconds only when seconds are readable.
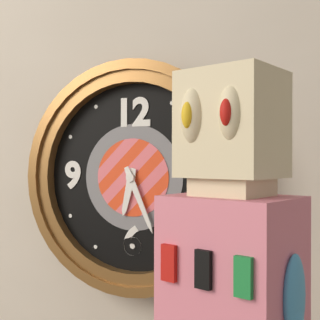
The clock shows 6.26
